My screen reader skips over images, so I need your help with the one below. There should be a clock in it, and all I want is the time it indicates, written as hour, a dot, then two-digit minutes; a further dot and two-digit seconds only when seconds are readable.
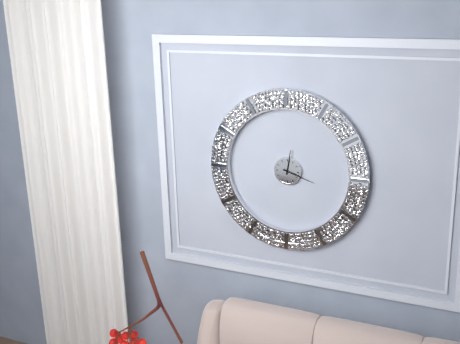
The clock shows 12.18
